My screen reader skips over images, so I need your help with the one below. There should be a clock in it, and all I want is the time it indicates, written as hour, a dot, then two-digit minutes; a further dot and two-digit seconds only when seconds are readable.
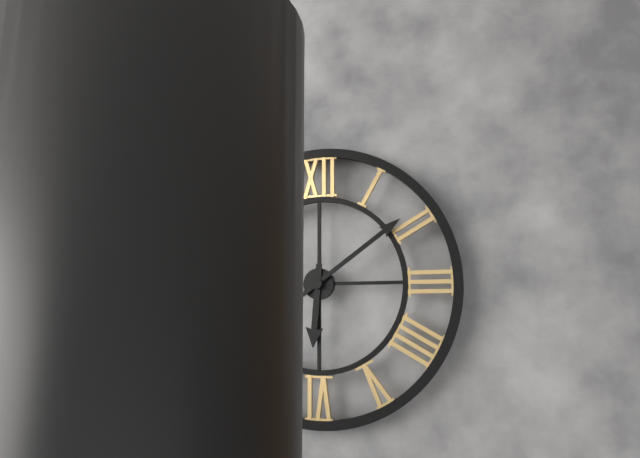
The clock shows 6.09
